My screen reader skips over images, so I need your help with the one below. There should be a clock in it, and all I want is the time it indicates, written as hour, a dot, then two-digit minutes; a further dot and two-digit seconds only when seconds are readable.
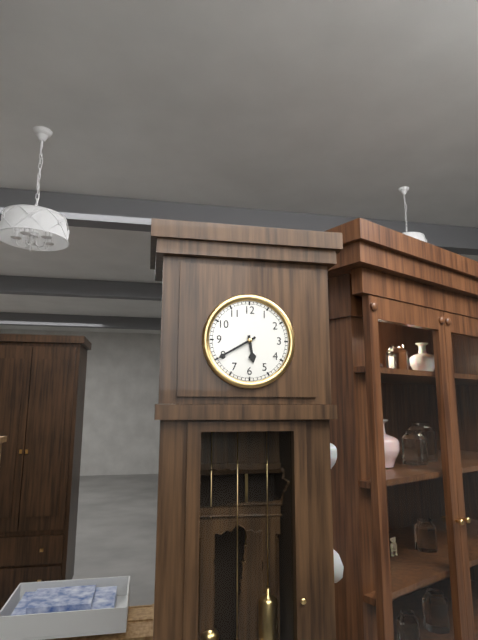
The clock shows 5.40
